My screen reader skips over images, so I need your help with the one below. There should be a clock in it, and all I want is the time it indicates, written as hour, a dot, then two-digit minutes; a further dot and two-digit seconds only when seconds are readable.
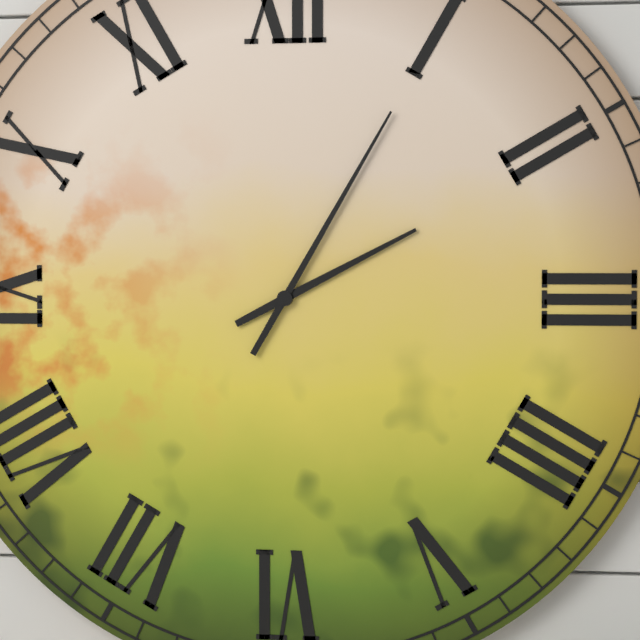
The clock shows 2.05
